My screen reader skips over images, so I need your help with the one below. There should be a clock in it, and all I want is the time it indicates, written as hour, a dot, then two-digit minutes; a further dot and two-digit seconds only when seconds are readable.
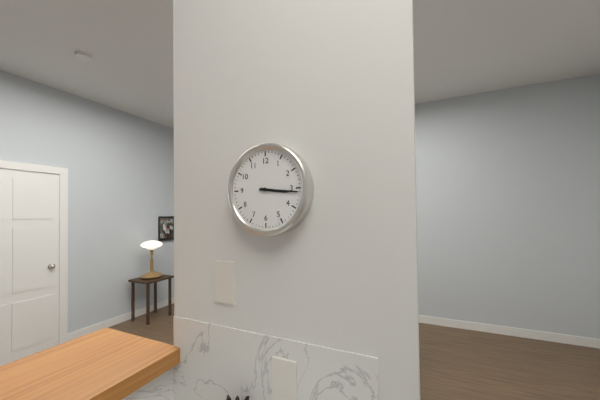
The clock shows 3.16
